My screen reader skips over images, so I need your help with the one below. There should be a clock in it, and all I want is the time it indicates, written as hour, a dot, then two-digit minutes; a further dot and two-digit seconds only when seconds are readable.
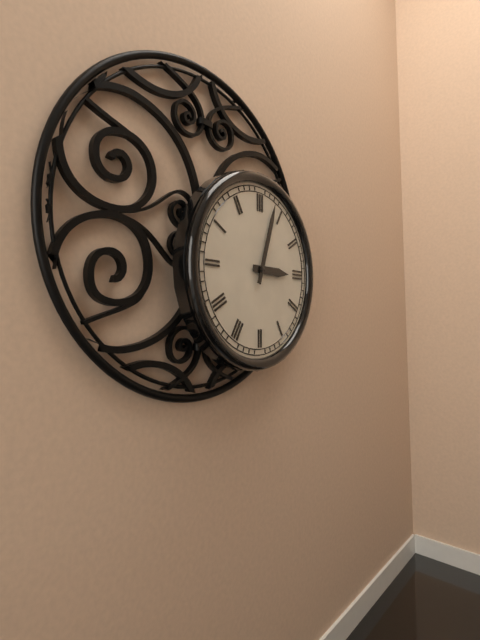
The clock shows 3.03
